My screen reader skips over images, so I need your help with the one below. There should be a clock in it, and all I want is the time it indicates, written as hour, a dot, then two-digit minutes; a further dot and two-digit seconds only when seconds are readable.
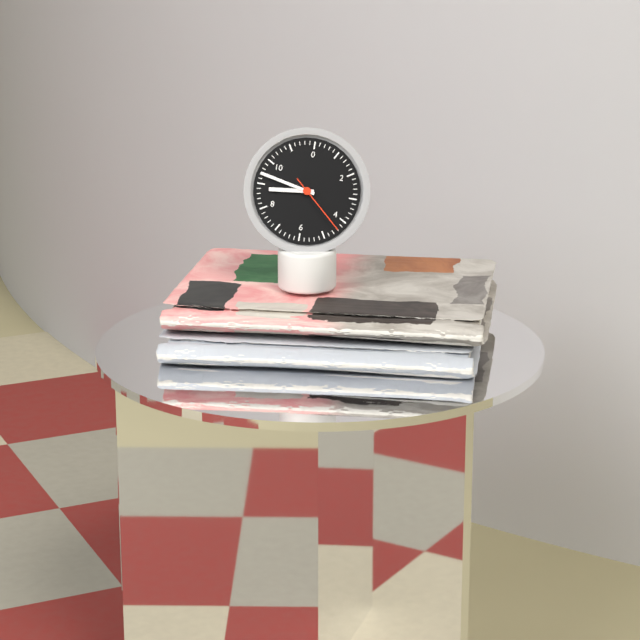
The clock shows 8.47.22
